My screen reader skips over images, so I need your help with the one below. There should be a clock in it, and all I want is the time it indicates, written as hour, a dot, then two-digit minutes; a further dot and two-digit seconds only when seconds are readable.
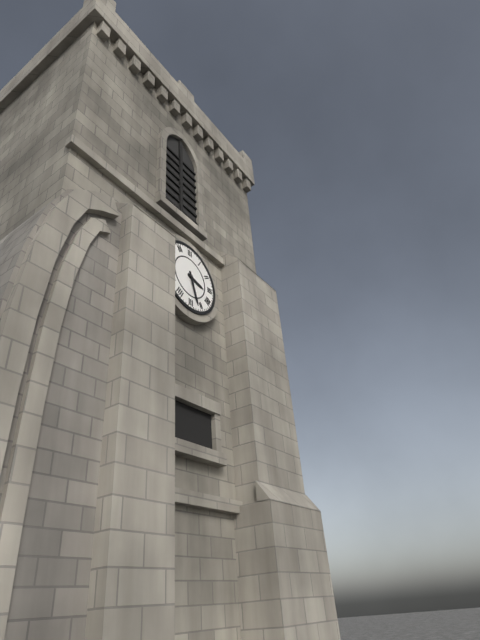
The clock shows 3.27
